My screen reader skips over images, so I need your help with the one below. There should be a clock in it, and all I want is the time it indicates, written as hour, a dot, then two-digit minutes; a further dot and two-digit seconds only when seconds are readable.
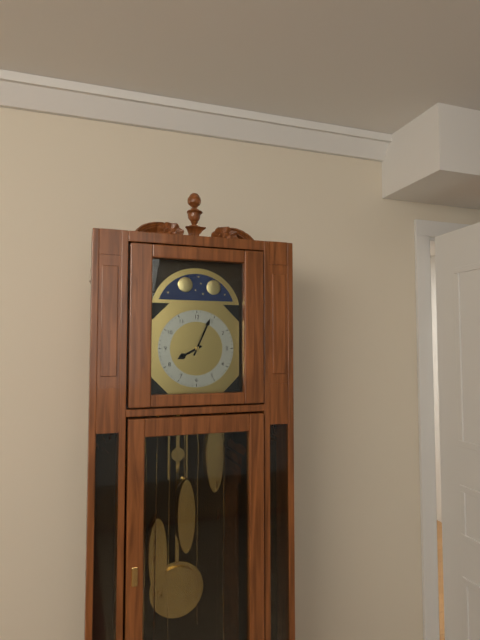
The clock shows 8.04
